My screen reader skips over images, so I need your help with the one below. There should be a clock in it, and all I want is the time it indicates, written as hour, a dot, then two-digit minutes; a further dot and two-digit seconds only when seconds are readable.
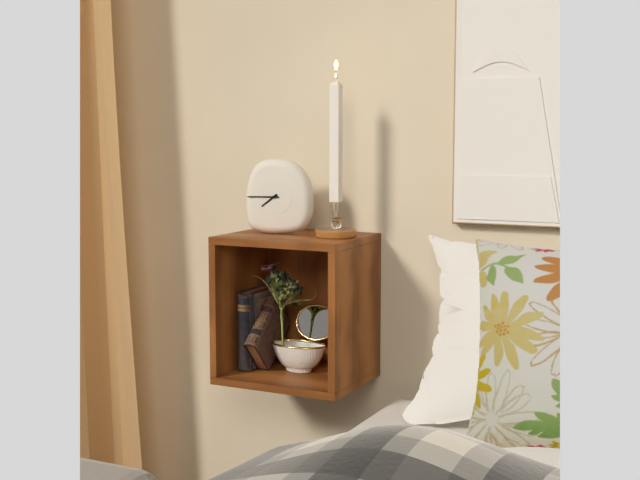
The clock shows 7.45
